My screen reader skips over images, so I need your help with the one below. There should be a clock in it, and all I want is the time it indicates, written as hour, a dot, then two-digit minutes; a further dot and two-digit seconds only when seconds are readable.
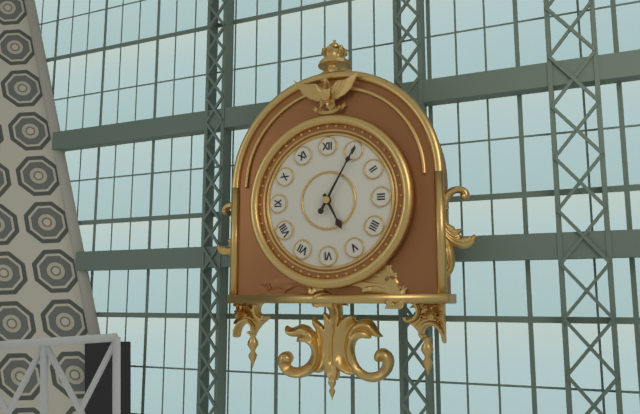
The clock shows 5.05
